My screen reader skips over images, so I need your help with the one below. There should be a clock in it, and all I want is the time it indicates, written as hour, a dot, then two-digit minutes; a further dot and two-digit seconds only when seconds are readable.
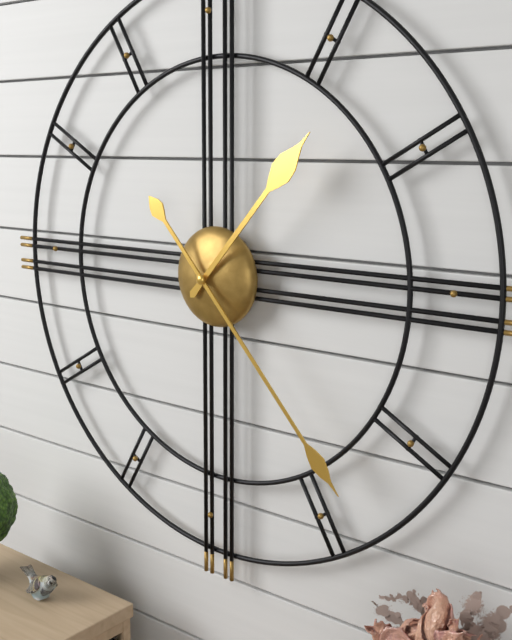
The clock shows 1.23
